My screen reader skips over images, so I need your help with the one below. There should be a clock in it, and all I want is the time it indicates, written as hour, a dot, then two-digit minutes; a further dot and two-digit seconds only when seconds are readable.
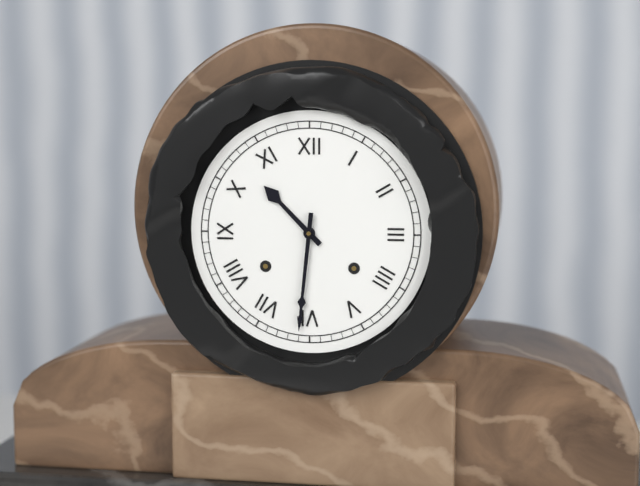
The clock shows 10.31
